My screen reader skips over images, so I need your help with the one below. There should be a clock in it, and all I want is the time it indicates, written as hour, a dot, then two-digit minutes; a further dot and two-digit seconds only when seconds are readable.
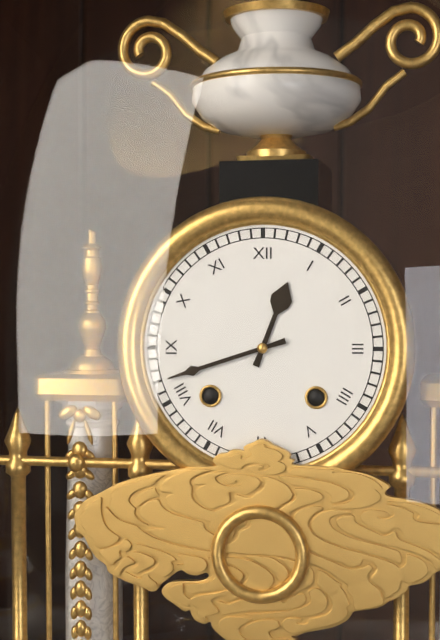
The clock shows 12.42
